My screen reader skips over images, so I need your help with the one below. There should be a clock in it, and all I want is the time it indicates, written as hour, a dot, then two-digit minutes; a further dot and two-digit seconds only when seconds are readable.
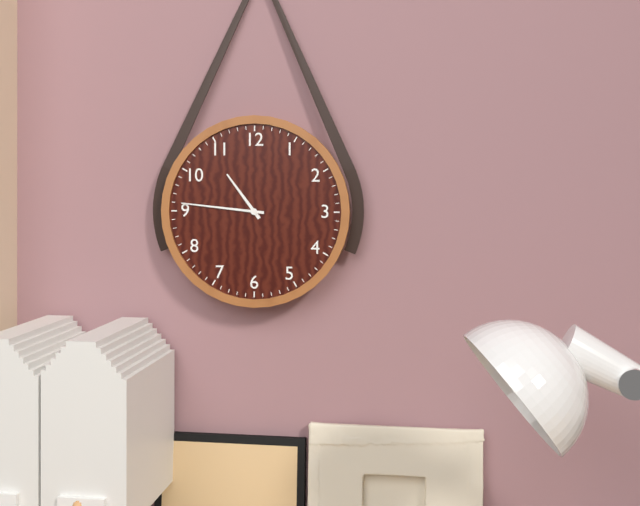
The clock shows 10.46
